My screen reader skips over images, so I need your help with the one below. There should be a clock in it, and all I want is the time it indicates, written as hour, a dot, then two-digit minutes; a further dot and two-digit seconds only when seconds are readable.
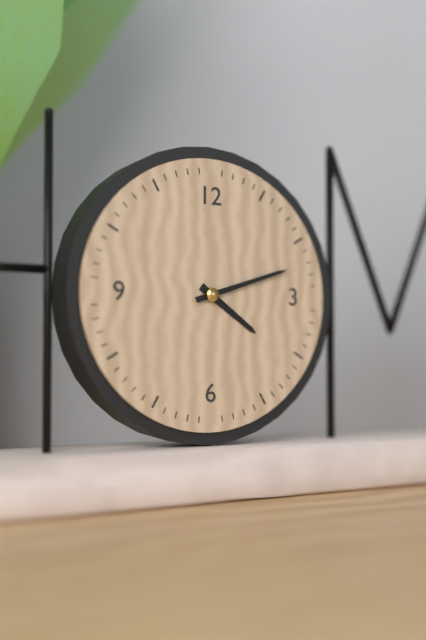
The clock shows 4.12
